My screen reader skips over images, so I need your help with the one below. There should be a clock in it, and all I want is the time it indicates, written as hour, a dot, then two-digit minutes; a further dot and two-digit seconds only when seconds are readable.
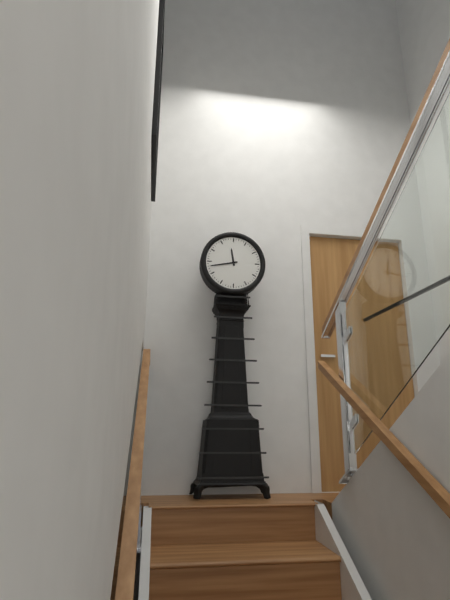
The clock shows 11.43
